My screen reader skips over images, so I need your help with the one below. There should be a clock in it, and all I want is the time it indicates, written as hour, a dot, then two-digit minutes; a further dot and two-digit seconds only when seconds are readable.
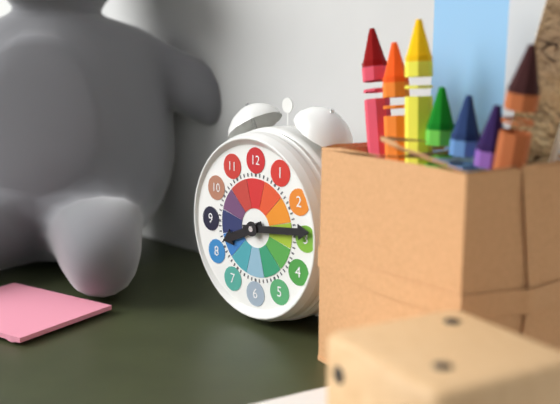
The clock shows 8.14
